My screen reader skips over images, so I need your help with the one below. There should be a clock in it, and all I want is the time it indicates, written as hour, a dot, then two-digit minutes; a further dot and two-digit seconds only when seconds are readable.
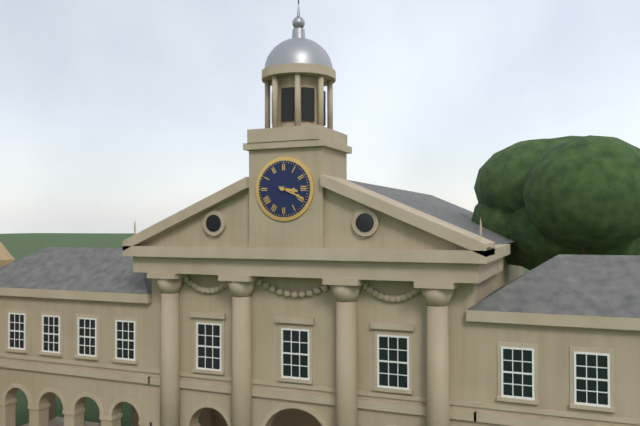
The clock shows 3.19
